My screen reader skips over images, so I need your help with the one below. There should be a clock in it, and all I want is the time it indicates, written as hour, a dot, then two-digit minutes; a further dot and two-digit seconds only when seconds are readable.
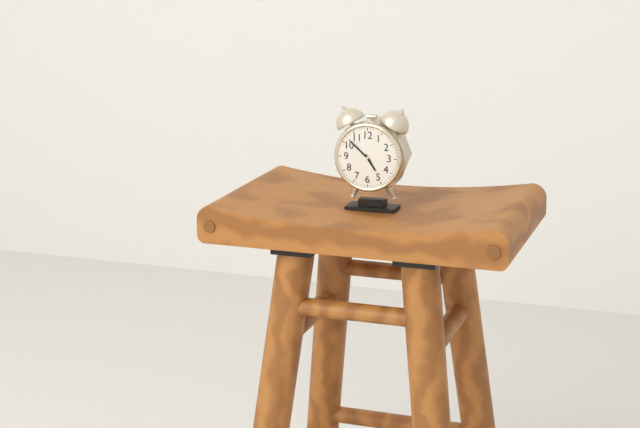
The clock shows 4.52
